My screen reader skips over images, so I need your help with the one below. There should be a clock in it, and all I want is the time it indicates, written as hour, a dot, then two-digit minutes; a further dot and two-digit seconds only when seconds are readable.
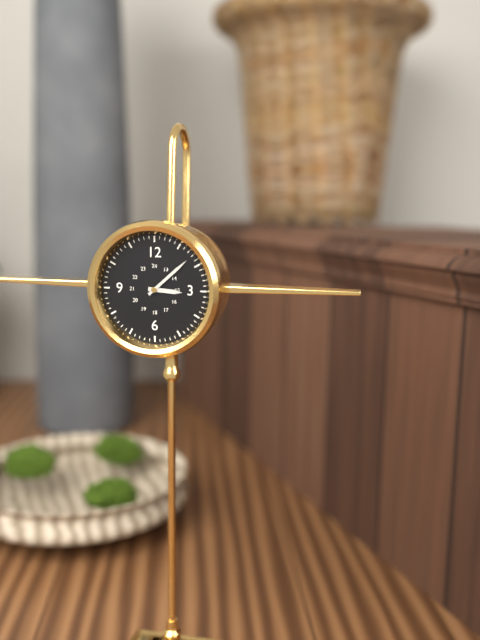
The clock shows 3.08
